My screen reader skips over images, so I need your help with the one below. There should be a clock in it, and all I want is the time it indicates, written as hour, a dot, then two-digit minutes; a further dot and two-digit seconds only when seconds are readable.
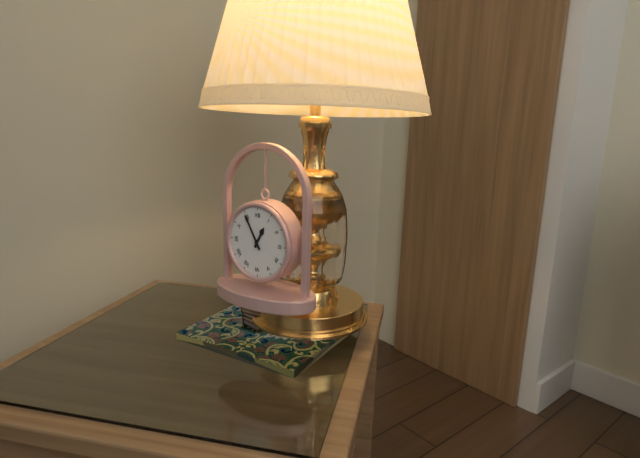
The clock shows 12.55
